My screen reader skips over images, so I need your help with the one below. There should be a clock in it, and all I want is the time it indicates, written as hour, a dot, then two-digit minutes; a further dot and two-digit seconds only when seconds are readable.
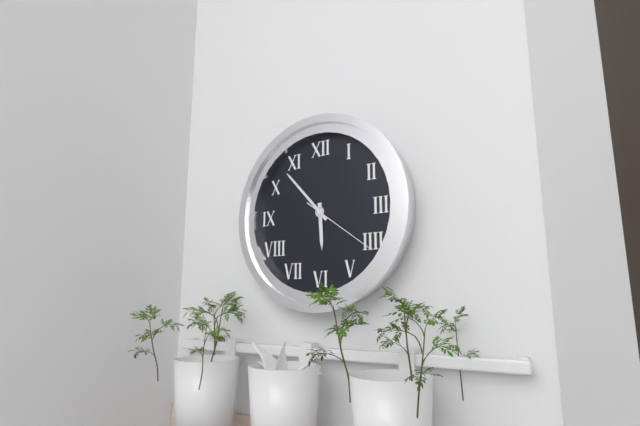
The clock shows 5.53.21
